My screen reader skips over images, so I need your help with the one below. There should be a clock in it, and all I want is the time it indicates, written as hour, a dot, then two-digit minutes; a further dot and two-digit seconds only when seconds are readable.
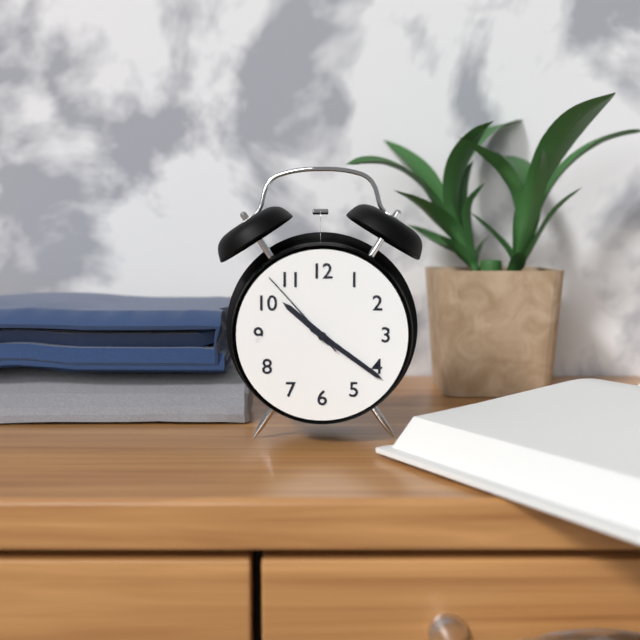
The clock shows 10.21.53
